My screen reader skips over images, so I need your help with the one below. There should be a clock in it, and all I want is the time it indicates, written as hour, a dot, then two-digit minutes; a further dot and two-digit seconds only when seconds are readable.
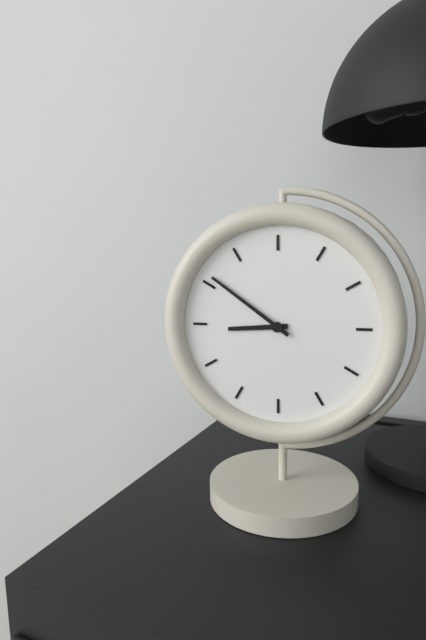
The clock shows 8.51
